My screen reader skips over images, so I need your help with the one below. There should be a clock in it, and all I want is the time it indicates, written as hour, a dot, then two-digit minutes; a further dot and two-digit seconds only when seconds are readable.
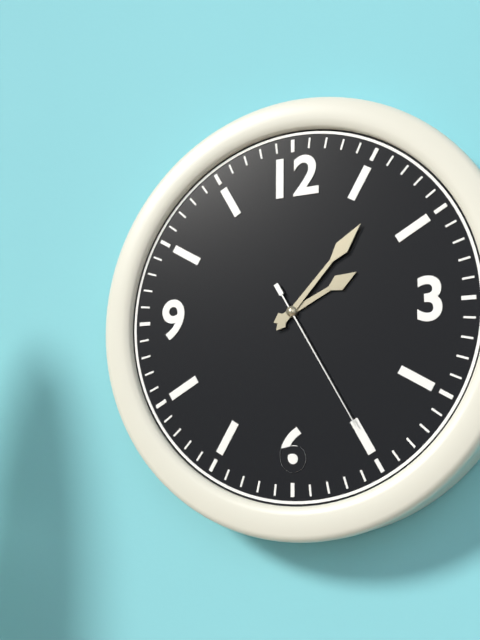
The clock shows 2.07.25
